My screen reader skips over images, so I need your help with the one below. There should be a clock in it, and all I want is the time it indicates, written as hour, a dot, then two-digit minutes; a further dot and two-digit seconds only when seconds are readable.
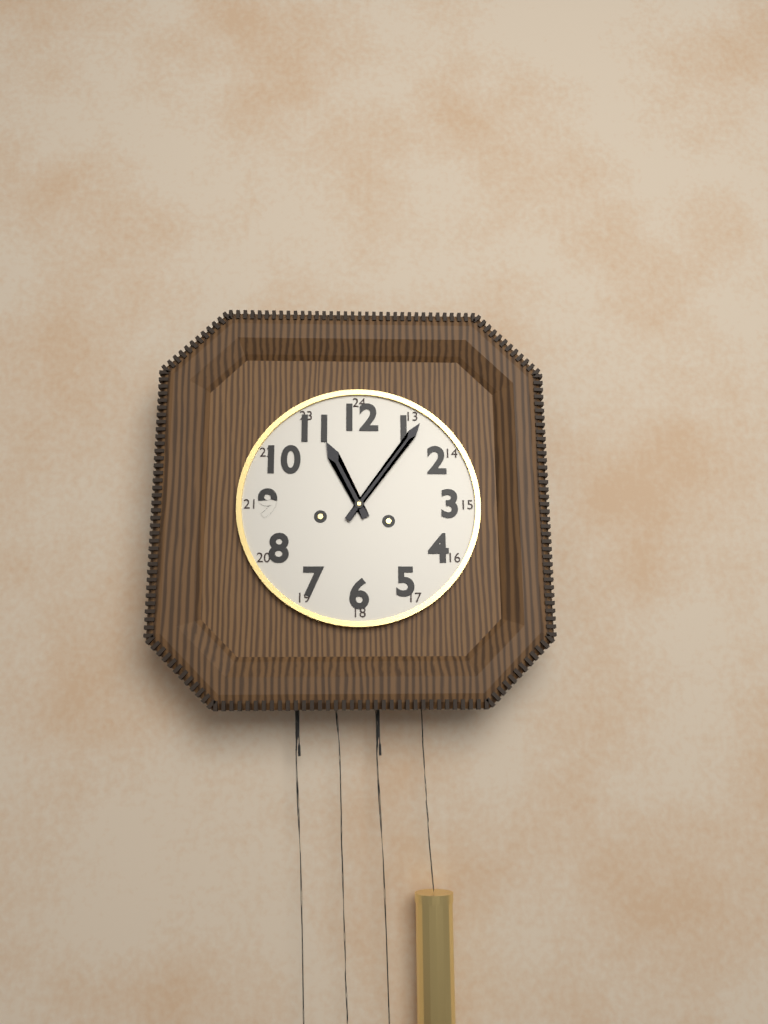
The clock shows 11.06
